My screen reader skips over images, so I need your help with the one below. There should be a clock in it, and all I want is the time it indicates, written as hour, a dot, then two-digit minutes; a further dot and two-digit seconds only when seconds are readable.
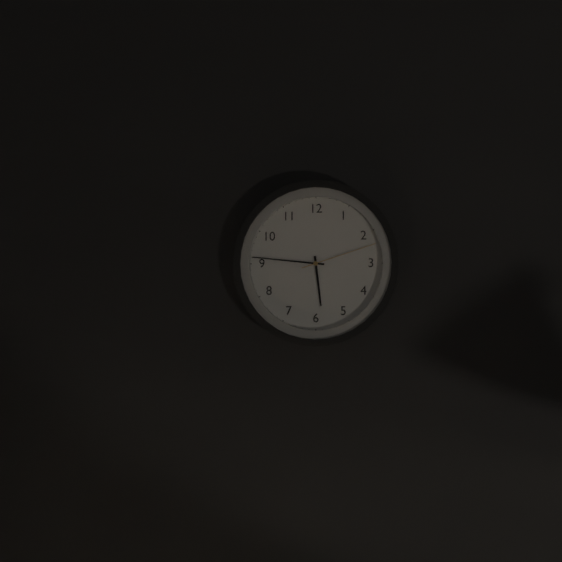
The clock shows 5.46.12
